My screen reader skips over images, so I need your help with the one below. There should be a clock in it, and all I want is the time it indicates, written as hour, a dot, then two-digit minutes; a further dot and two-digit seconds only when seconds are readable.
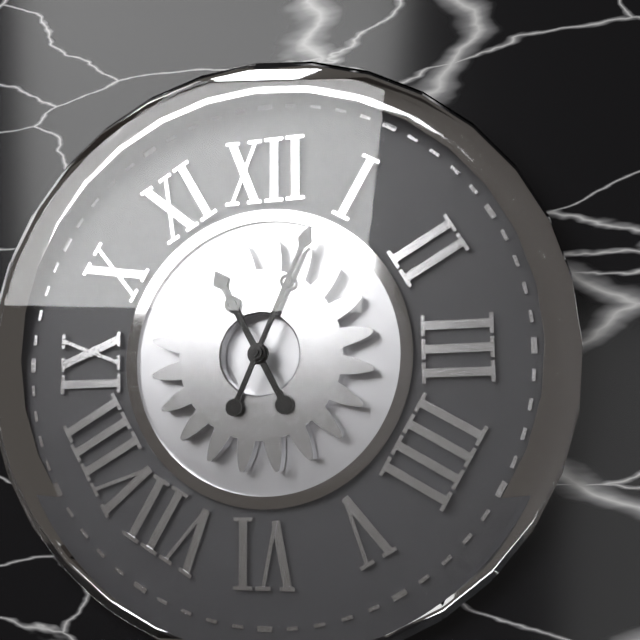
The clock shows 11.04
